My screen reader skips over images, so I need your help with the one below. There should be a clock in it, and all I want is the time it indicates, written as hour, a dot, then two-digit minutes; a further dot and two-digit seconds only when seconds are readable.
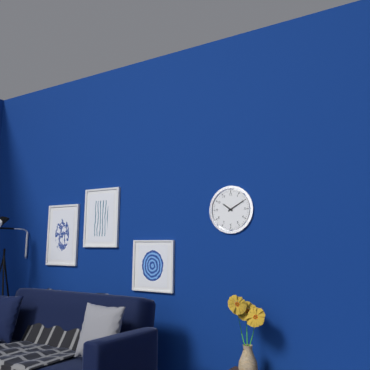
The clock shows 10.10
